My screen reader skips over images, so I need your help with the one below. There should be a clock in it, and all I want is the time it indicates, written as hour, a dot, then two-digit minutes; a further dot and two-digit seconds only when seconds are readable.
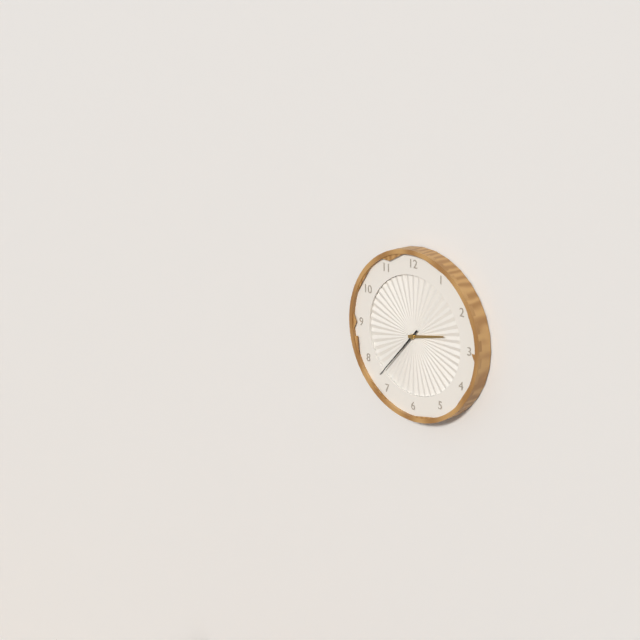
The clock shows 2.37
